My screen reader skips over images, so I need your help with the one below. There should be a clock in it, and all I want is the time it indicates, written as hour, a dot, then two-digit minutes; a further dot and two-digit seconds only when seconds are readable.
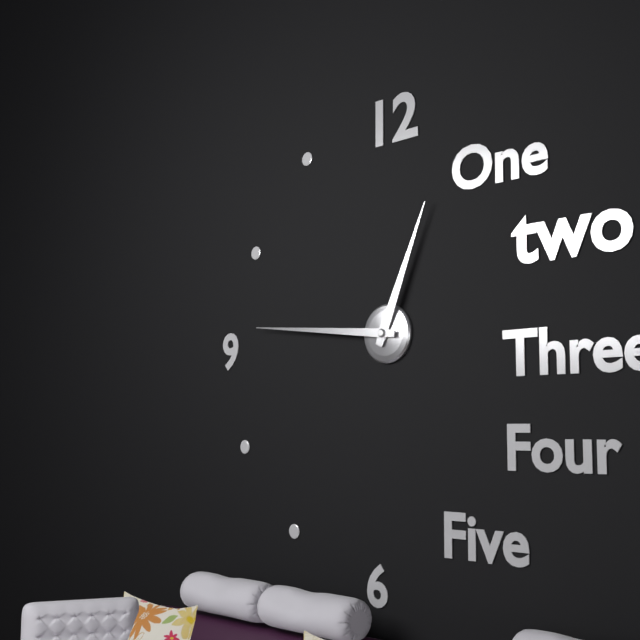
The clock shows 12.46
